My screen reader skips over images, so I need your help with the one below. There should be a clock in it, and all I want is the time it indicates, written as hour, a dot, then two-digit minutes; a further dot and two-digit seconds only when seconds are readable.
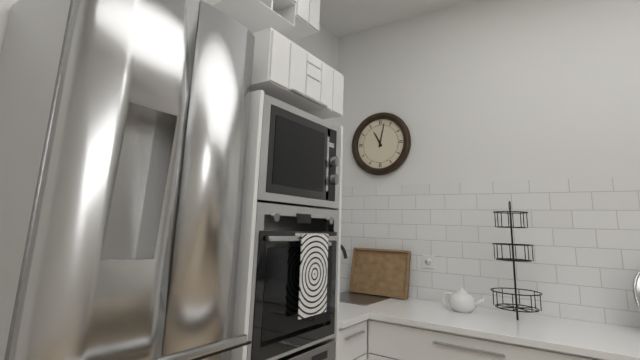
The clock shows 11.02
